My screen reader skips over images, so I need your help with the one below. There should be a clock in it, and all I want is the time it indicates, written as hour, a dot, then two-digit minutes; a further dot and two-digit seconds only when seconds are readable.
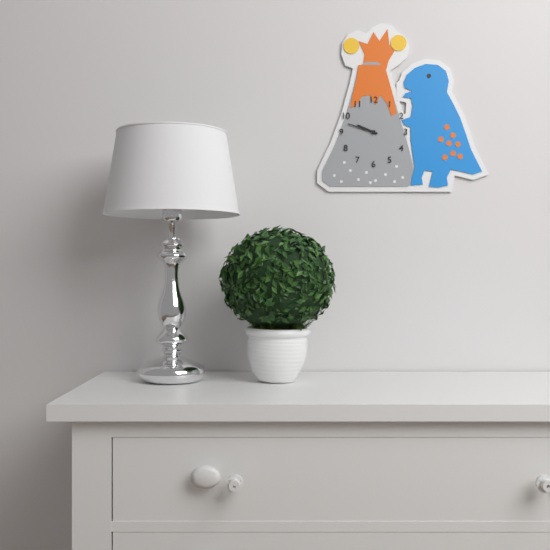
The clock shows 9.48
